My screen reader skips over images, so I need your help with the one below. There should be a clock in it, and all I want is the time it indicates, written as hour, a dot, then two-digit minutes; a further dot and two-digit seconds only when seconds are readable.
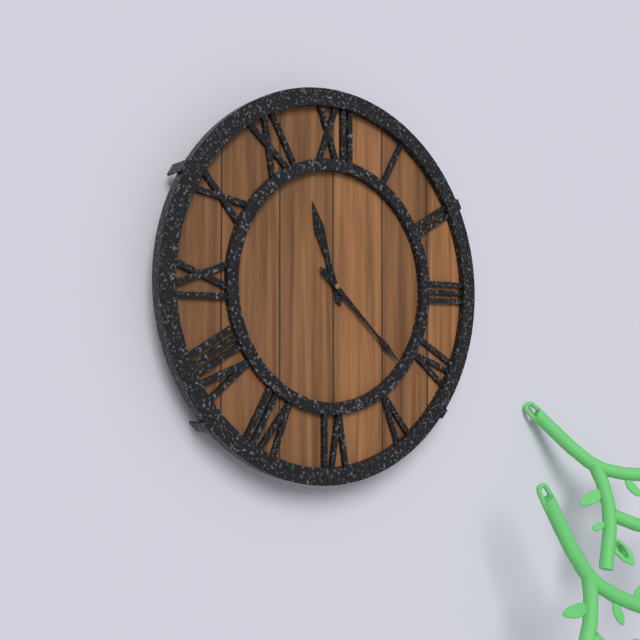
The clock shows 11.22
